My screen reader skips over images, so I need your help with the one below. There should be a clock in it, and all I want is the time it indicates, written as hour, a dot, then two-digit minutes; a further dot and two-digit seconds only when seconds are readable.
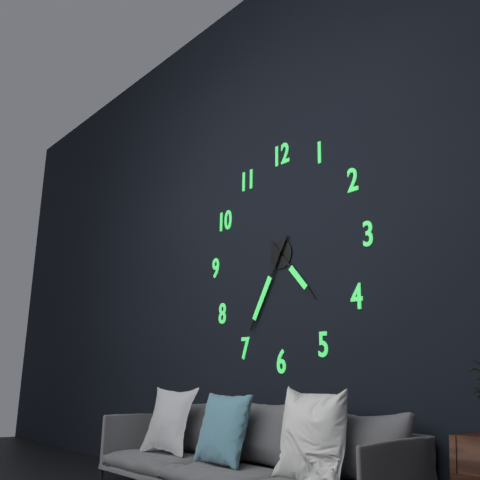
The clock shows 4.35
